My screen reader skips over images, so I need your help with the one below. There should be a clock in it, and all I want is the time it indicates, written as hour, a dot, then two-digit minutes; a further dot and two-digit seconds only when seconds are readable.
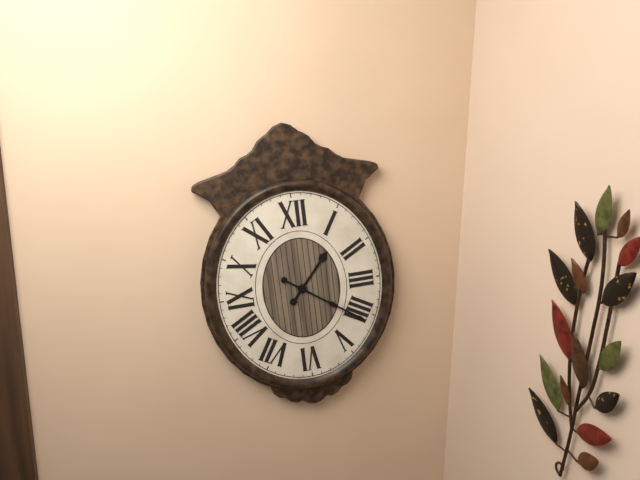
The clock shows 1.21
